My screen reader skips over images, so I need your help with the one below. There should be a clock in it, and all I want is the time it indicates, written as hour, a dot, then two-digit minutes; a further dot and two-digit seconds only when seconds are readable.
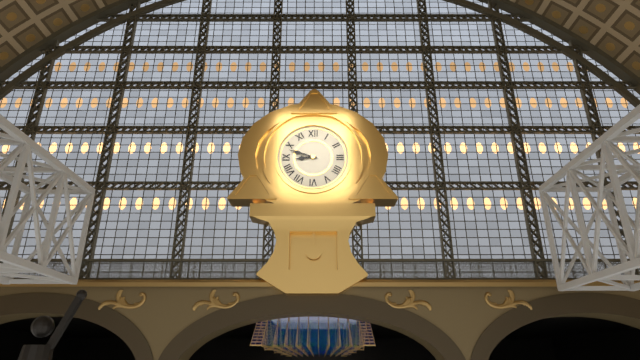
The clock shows 8.48
